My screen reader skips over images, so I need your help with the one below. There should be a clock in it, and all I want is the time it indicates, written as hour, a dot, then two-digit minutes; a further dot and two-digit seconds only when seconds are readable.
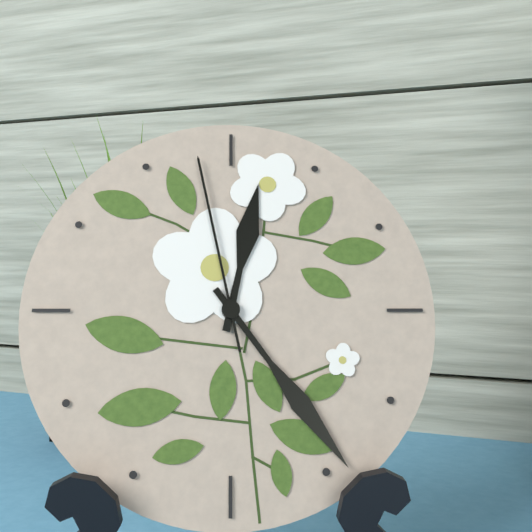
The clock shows 12.24.58
